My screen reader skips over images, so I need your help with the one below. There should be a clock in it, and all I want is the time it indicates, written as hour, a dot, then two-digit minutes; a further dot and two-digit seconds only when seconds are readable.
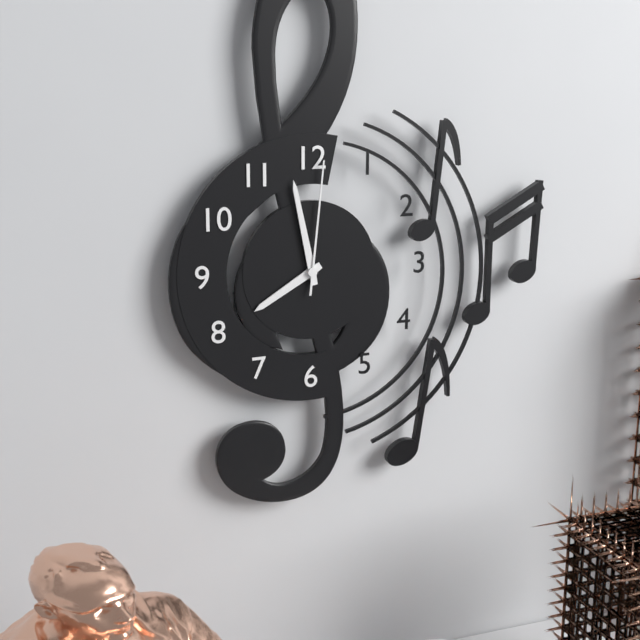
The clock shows 7.58.01
